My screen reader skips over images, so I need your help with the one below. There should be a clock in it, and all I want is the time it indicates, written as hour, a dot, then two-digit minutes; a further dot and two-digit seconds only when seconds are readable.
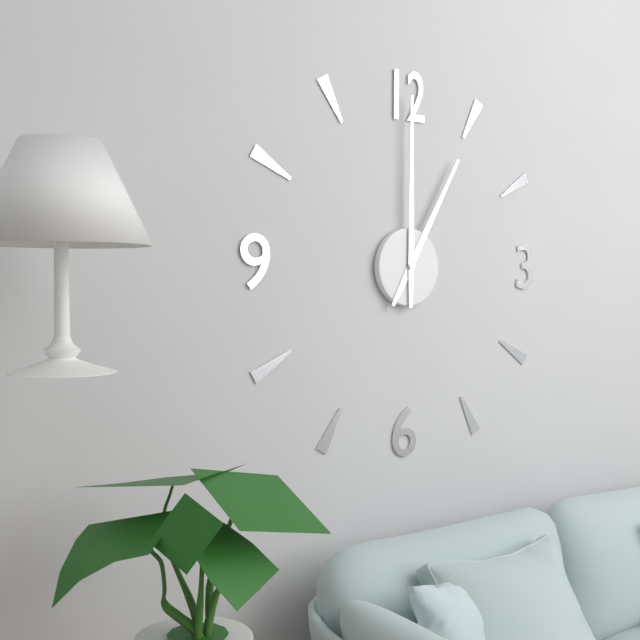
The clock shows 1.00
